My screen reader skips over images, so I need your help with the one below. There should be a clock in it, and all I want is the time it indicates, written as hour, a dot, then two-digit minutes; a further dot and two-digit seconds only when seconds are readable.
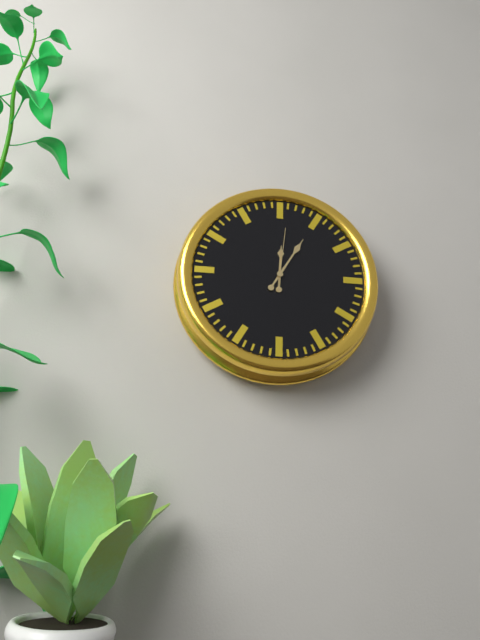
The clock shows 12.05.01
